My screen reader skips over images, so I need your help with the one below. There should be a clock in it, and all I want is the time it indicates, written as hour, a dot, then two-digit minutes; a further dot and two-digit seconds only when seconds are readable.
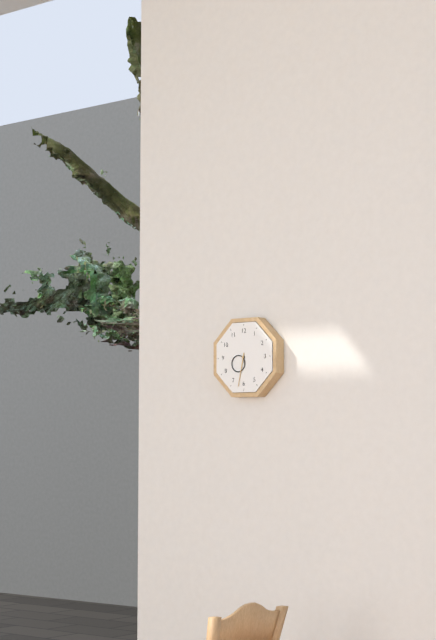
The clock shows 7.32
